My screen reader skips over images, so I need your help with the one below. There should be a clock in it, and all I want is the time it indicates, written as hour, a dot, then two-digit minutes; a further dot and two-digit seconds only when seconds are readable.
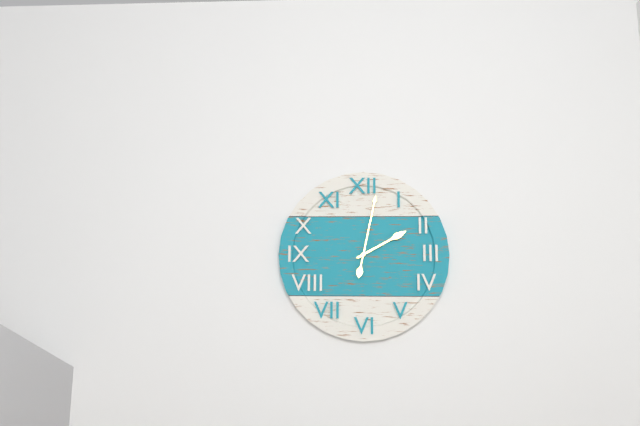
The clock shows 2.02
